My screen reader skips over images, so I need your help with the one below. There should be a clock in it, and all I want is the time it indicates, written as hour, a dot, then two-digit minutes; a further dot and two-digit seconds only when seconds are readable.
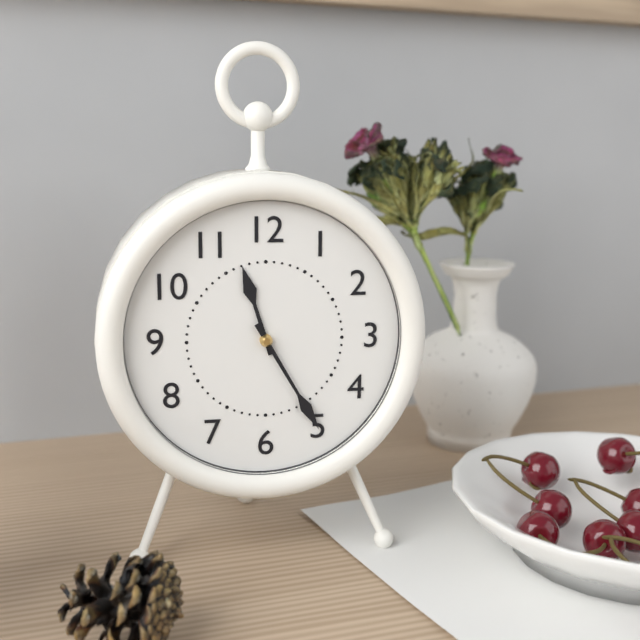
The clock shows 11.25
